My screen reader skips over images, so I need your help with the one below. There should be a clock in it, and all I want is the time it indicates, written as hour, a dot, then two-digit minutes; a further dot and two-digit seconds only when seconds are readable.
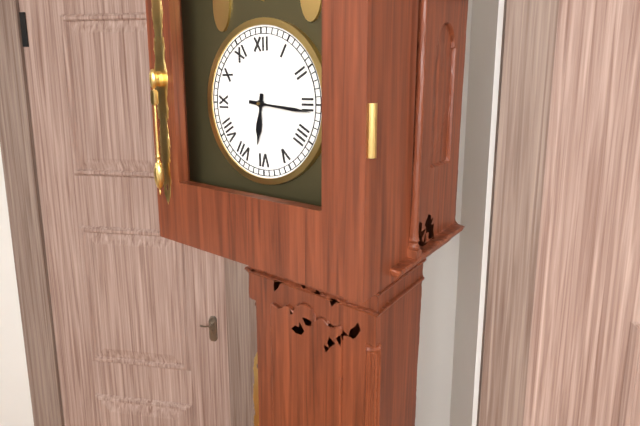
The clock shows 6.16
